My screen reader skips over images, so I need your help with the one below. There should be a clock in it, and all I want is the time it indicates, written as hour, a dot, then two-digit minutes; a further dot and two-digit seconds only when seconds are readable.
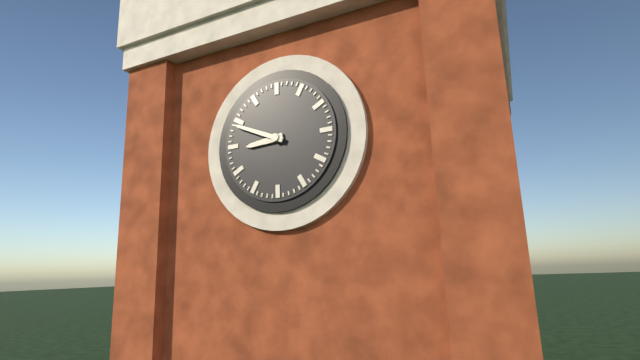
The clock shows 8.49
